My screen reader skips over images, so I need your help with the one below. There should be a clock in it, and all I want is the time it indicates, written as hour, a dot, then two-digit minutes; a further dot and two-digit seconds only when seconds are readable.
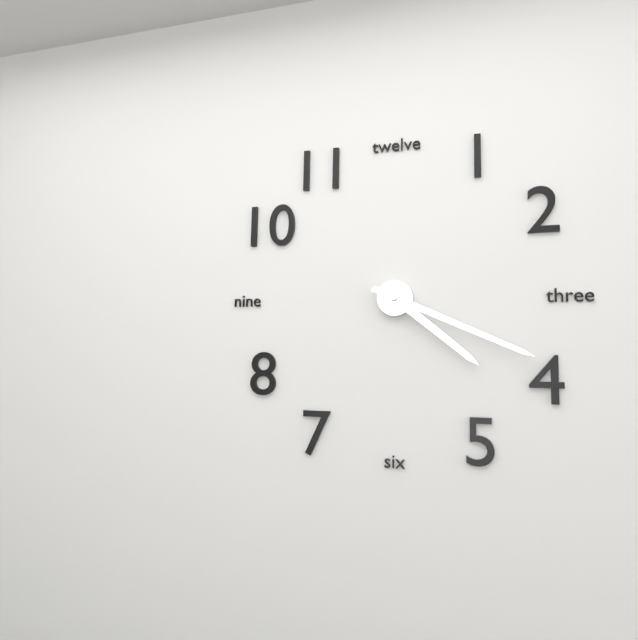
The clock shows 4.19
